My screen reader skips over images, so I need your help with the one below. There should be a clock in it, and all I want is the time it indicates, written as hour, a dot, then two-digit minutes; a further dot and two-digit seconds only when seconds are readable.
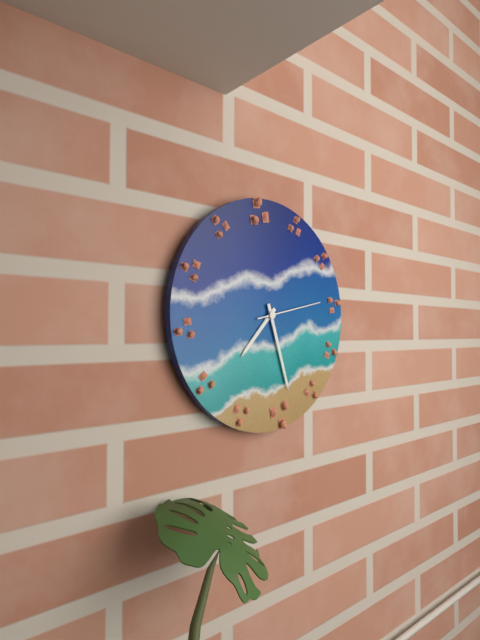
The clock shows 7.27.13
